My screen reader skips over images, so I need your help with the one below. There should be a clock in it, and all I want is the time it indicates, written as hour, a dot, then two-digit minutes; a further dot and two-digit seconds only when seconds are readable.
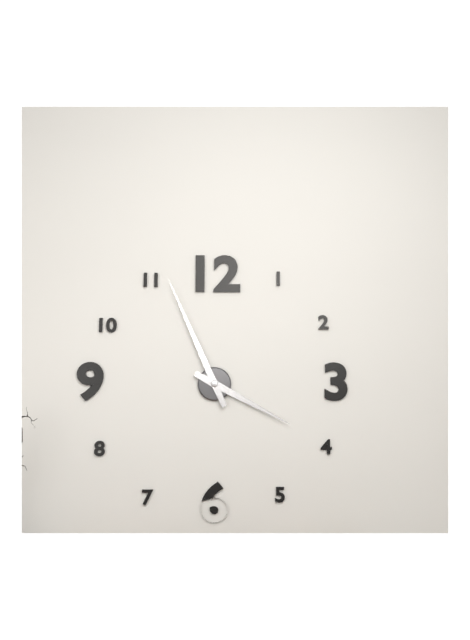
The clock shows 3.56
